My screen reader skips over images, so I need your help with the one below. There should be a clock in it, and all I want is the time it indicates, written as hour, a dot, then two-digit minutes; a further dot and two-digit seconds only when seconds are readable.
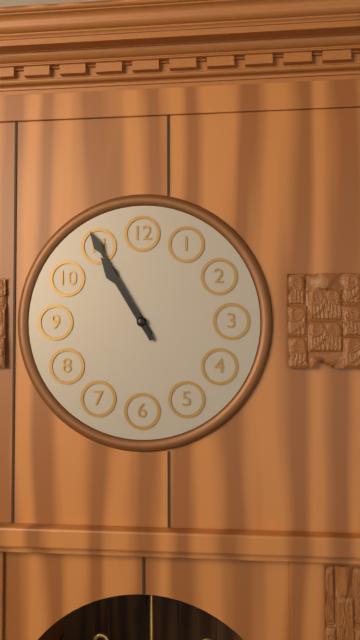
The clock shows 10.55
